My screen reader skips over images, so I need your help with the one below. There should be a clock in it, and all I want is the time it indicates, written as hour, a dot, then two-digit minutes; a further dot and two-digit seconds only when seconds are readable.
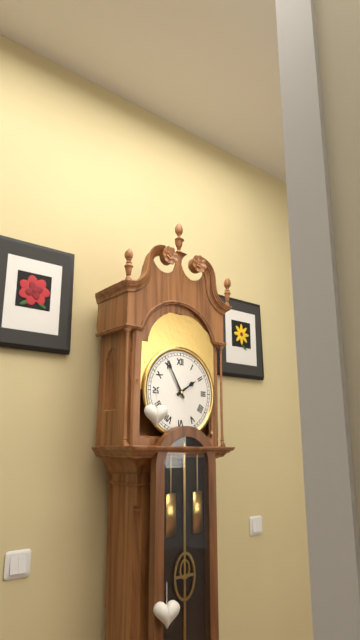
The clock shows 1.55
